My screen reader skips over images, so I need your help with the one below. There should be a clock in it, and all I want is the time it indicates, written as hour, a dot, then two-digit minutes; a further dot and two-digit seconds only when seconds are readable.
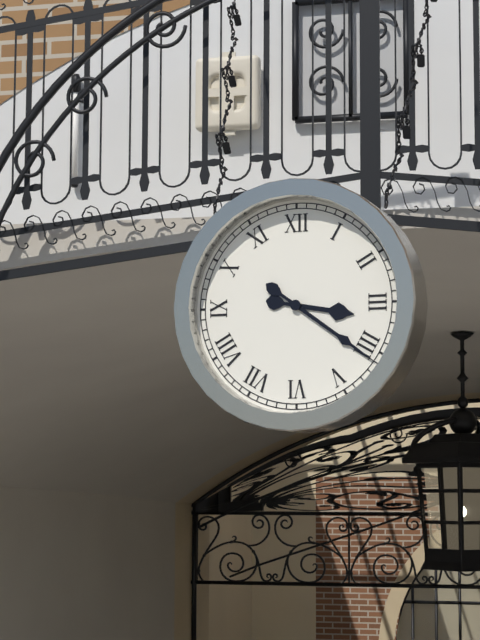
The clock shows 3.21
